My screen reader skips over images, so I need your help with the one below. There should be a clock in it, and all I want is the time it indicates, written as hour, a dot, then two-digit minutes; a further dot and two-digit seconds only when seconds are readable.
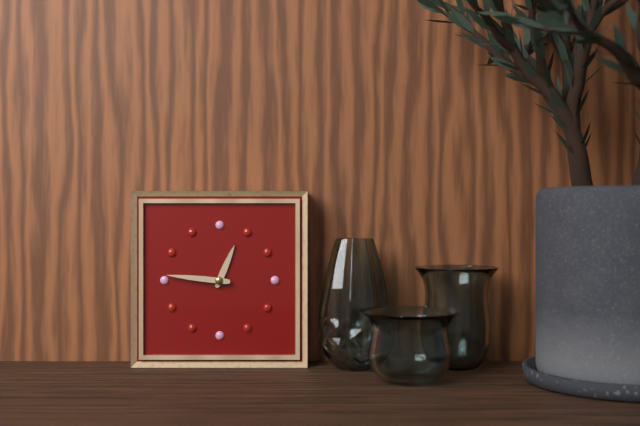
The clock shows 12.46
